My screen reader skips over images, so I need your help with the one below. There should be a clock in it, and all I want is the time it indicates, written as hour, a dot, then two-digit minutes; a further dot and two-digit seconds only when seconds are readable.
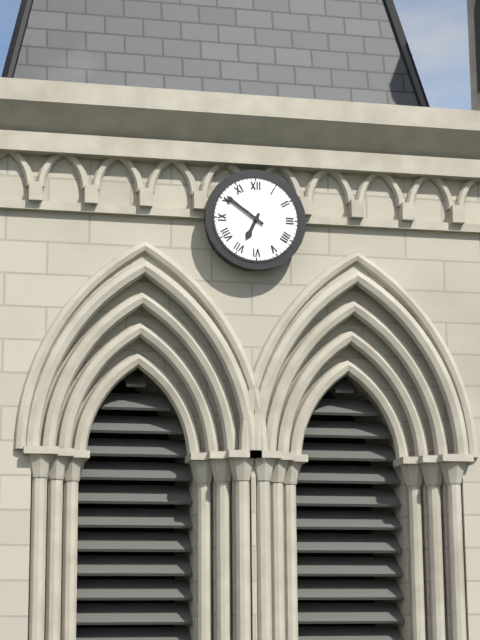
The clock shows 6.51
